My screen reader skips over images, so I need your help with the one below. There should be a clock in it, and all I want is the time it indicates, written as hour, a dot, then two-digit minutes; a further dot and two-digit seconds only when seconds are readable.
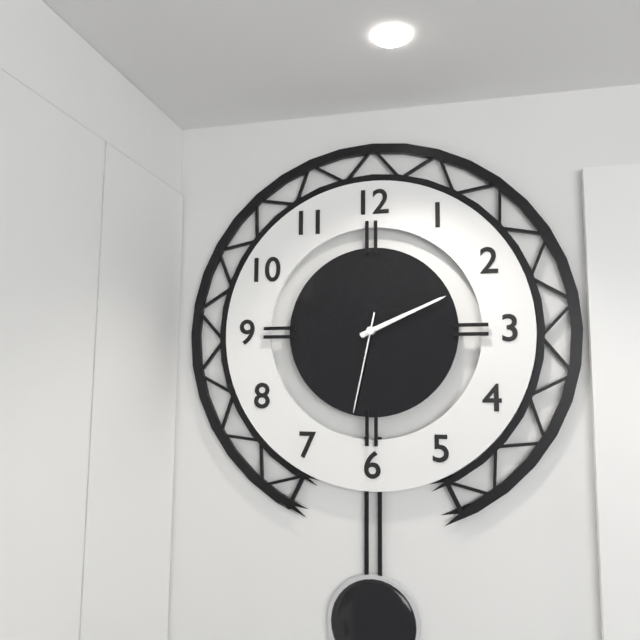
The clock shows 2.11.32
